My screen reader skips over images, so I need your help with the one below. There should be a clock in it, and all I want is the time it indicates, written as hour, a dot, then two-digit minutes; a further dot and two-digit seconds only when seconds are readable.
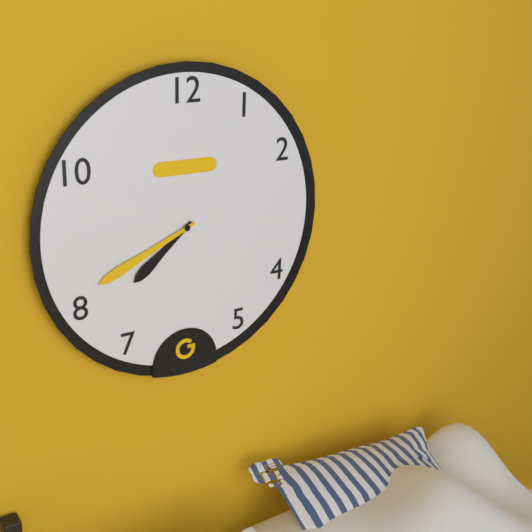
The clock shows 7.41
